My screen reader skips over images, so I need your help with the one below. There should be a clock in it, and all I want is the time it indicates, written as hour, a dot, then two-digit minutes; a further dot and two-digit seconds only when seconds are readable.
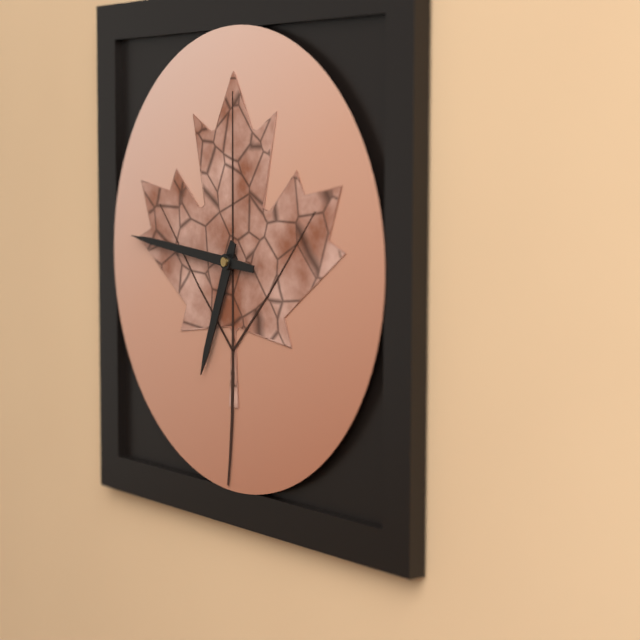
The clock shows 6.46
